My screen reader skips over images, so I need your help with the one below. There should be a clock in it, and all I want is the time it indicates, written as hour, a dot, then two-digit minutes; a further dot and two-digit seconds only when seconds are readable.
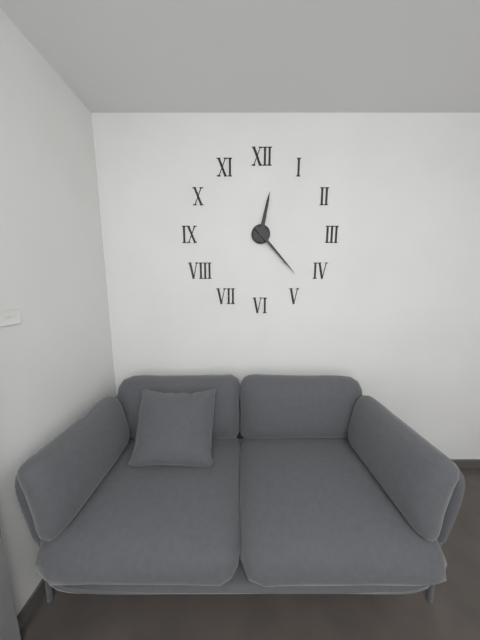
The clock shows 12.23
